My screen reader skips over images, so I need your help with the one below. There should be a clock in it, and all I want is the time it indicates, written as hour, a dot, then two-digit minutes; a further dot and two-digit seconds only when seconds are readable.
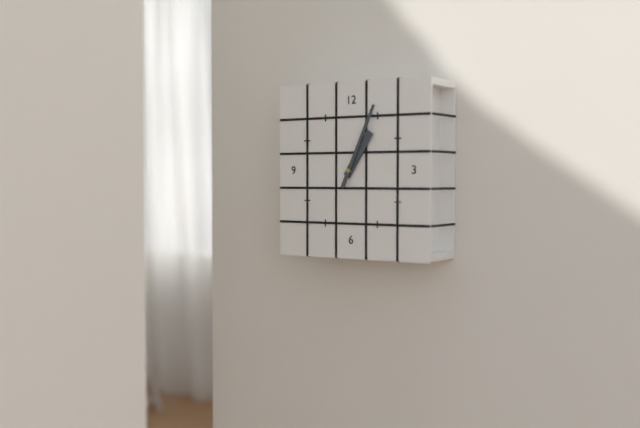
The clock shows 1.04
